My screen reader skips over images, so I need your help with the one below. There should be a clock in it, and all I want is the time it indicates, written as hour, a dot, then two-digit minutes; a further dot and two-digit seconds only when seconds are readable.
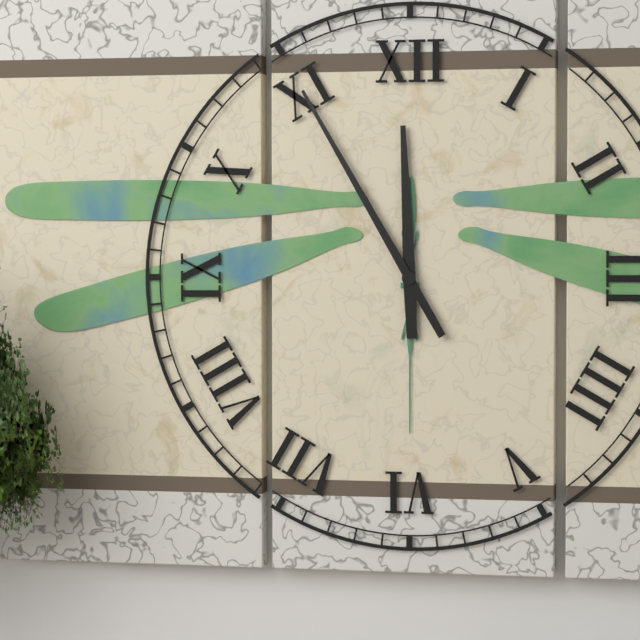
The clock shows 11.55
